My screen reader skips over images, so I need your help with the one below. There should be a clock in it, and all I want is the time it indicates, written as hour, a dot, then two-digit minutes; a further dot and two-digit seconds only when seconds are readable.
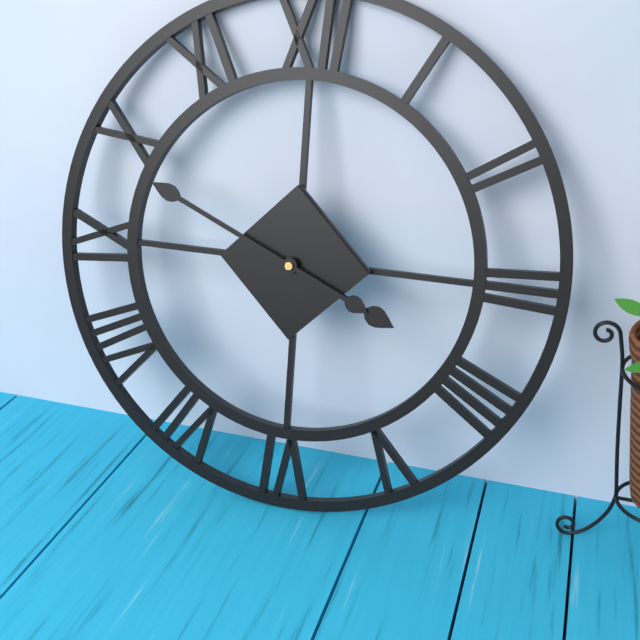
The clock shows 3.49
